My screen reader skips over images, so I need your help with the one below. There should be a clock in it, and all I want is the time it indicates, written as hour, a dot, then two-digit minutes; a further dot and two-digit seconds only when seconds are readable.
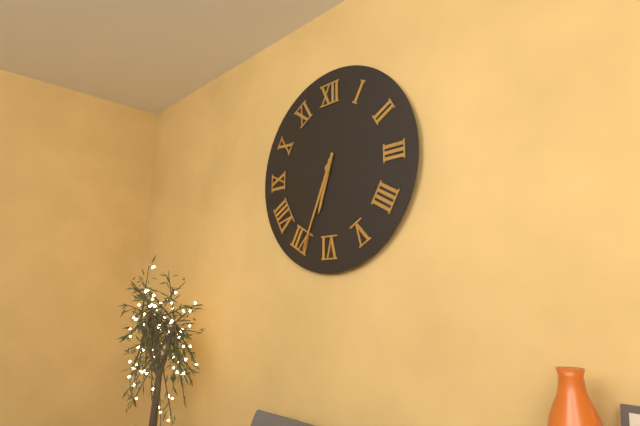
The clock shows 6.34
